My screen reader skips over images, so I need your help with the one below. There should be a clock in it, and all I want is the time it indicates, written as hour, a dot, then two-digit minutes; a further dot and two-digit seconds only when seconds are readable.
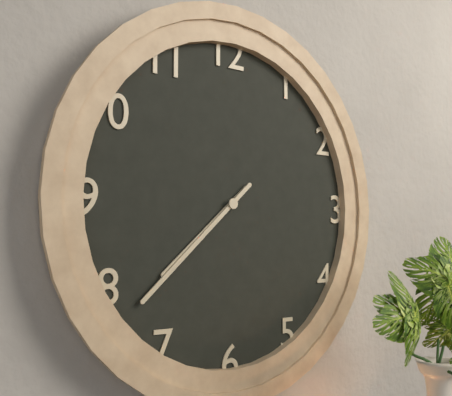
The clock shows 7.38
